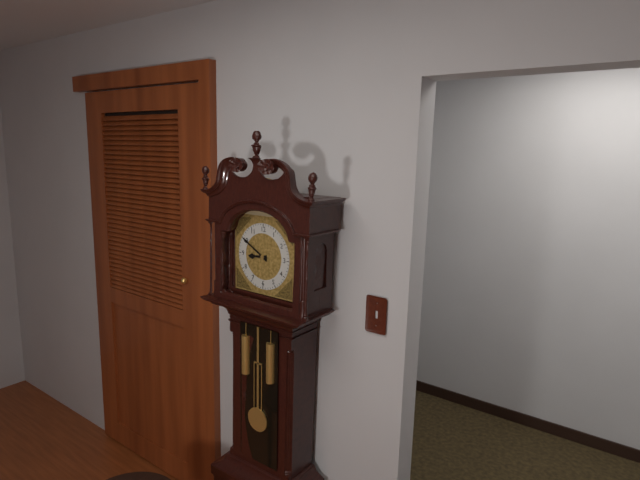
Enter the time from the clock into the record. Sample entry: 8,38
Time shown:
8,50
